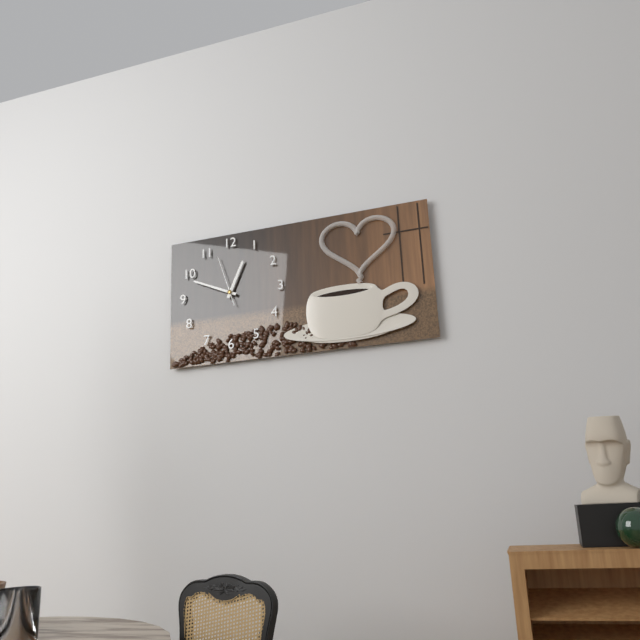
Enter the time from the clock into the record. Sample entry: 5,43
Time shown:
12,49
